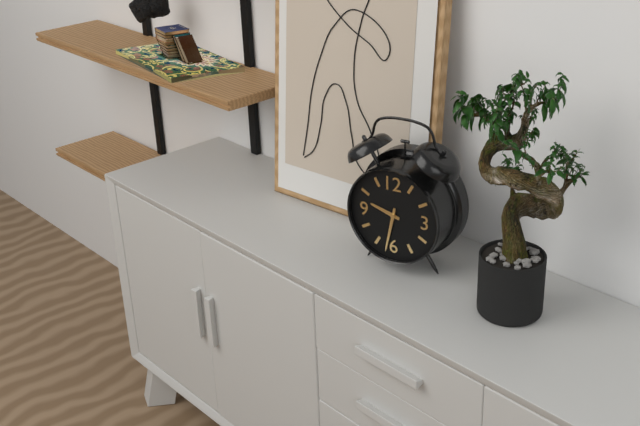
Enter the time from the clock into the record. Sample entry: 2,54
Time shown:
9,32
